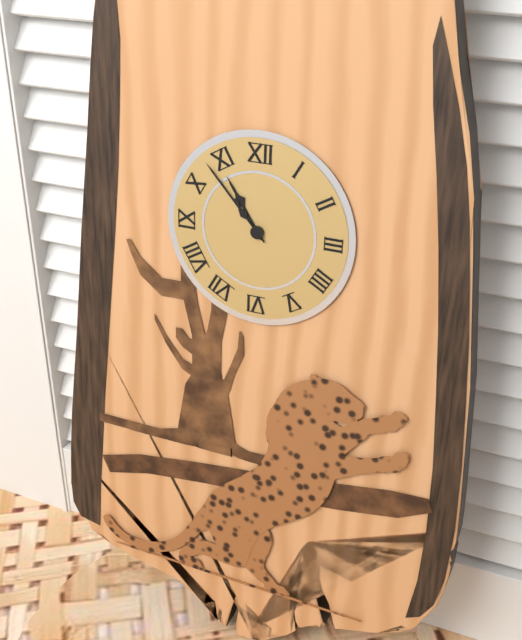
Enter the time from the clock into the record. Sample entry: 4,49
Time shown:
10,53
